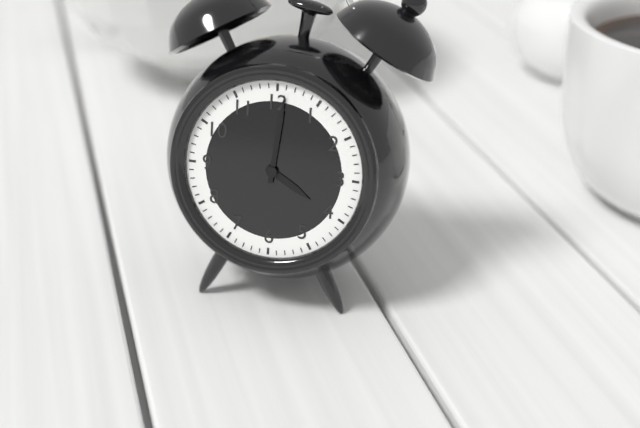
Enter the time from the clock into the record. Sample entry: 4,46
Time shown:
4,01
